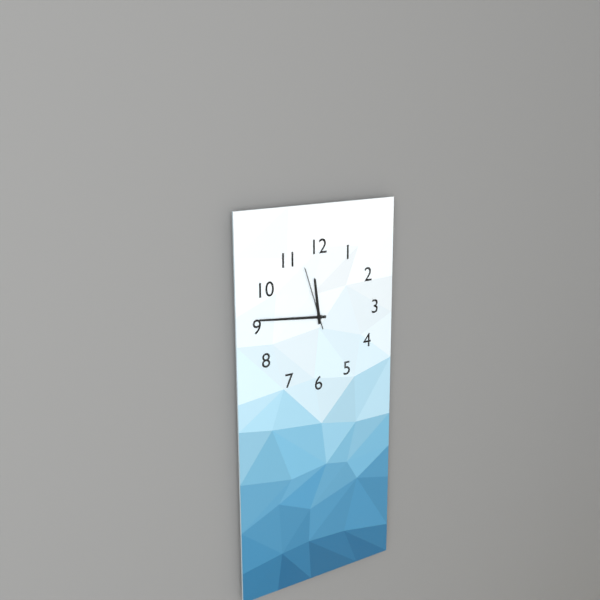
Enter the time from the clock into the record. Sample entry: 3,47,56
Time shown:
11,46,57
